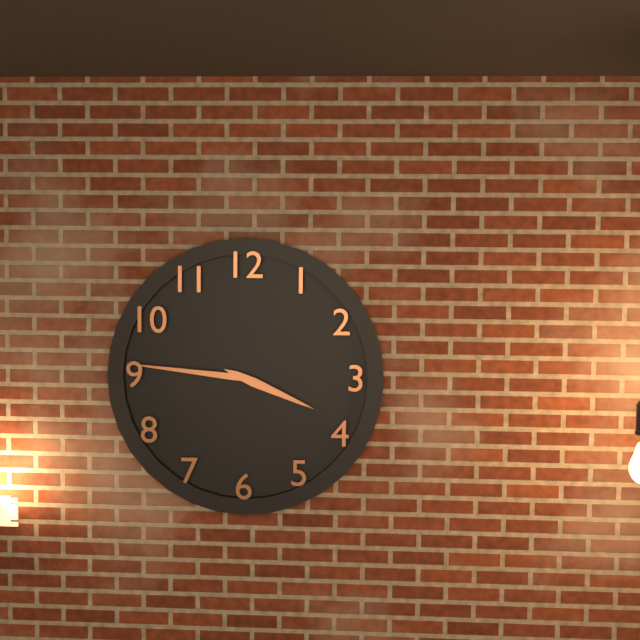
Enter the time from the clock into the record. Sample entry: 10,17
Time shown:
3,46
